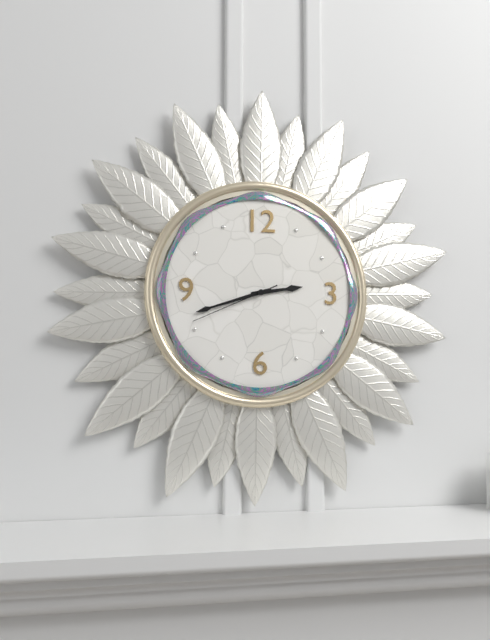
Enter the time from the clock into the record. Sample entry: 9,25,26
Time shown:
2,42,41
